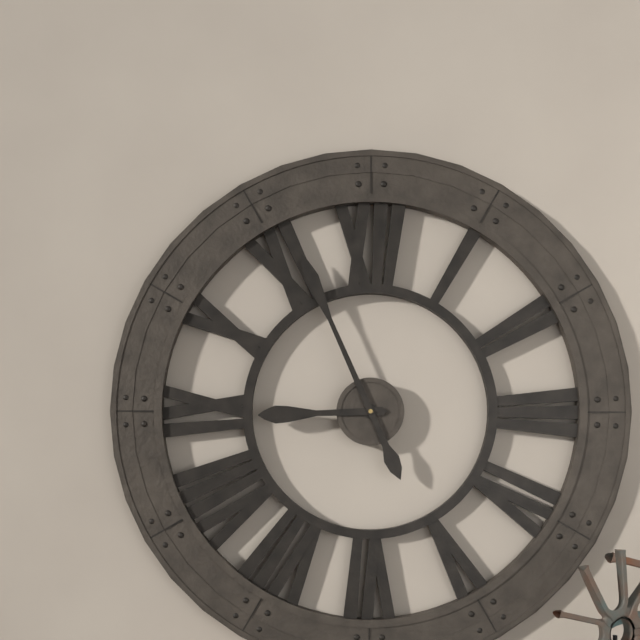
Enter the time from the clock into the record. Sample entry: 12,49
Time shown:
8,56
